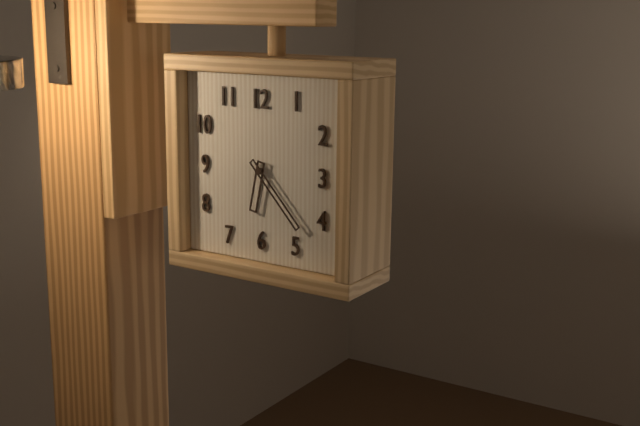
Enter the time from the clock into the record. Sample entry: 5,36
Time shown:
6,23
